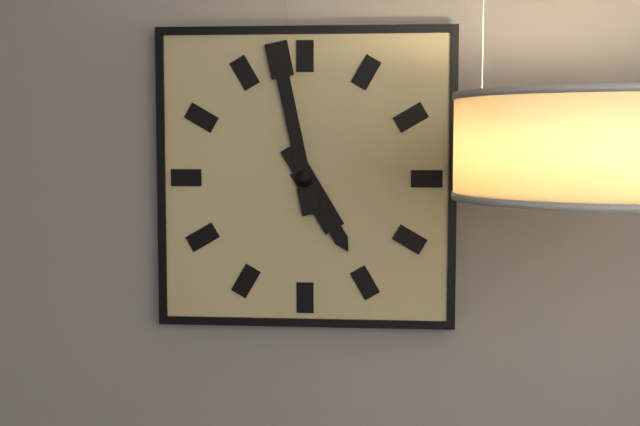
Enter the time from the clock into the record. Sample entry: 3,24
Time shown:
4,58
